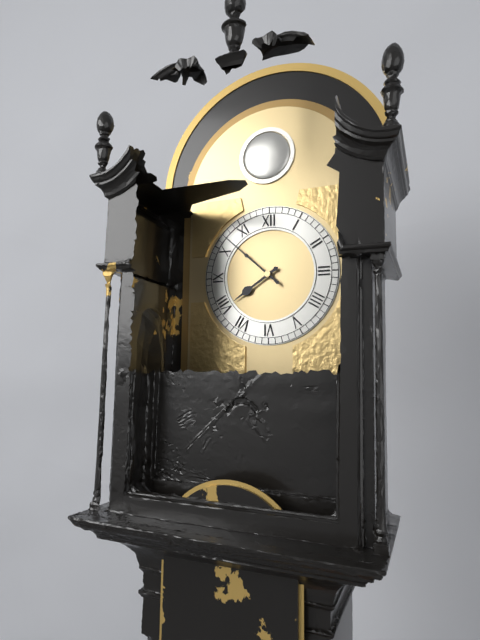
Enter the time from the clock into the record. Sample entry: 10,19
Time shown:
7,52
